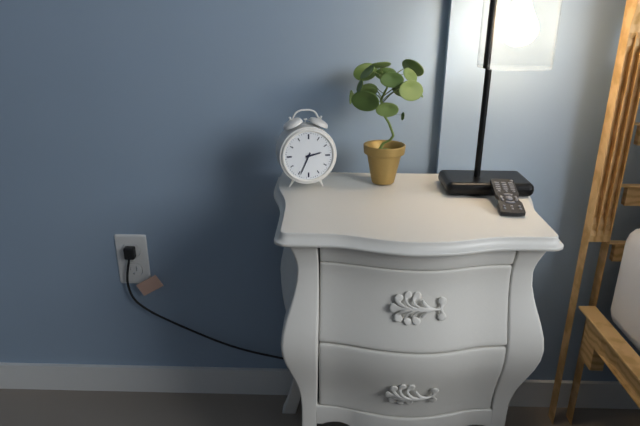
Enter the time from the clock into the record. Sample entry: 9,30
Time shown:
2,34
